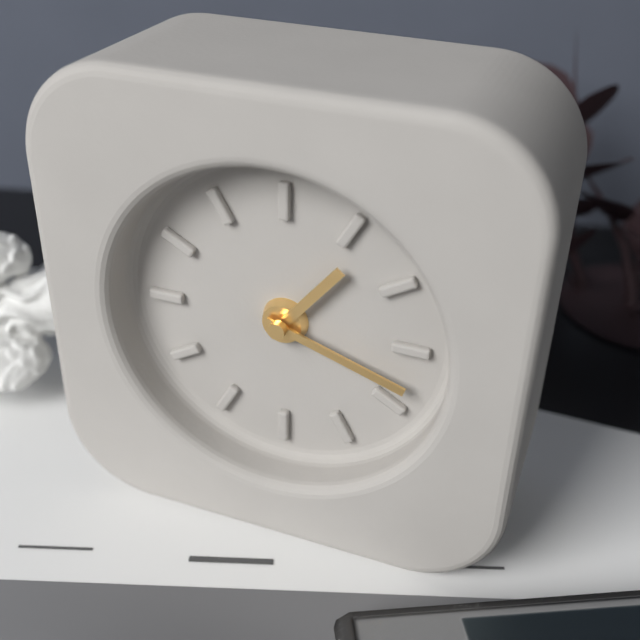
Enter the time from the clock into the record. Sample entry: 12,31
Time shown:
1,18
